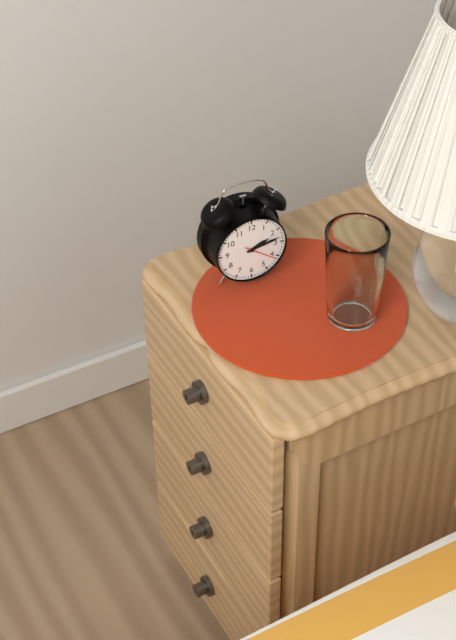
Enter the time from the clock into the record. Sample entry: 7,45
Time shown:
2,13
